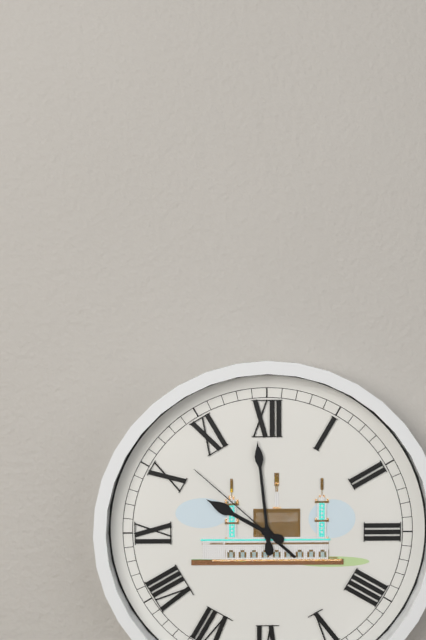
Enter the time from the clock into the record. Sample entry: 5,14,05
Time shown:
9,59,52
